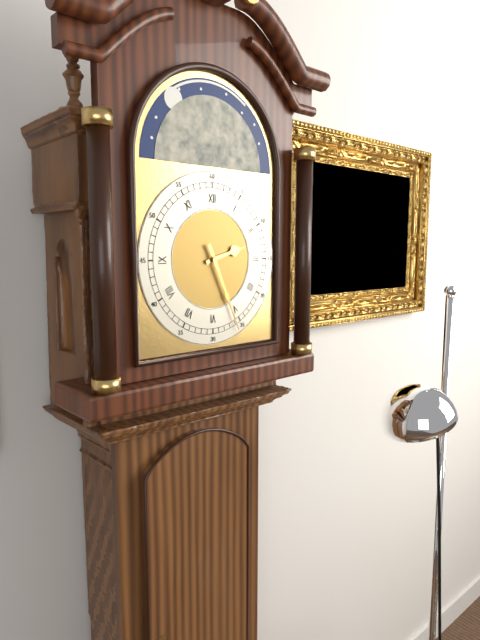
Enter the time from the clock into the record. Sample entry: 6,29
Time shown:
2,26
